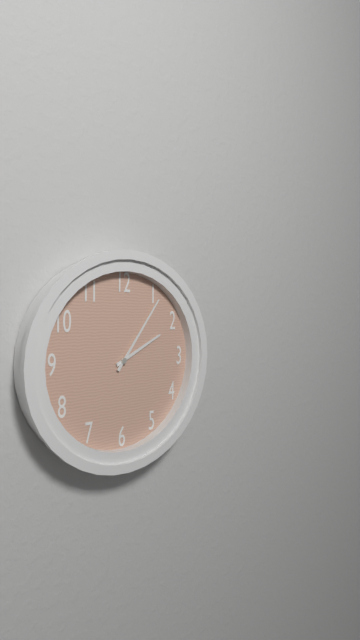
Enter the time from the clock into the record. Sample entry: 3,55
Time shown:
2,06
